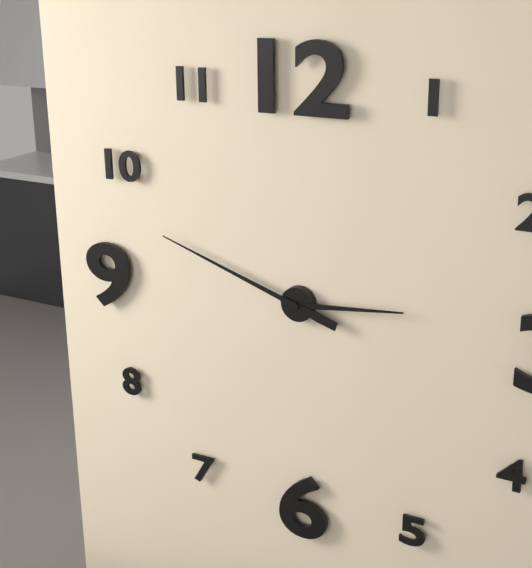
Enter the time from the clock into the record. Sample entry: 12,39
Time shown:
2,48
